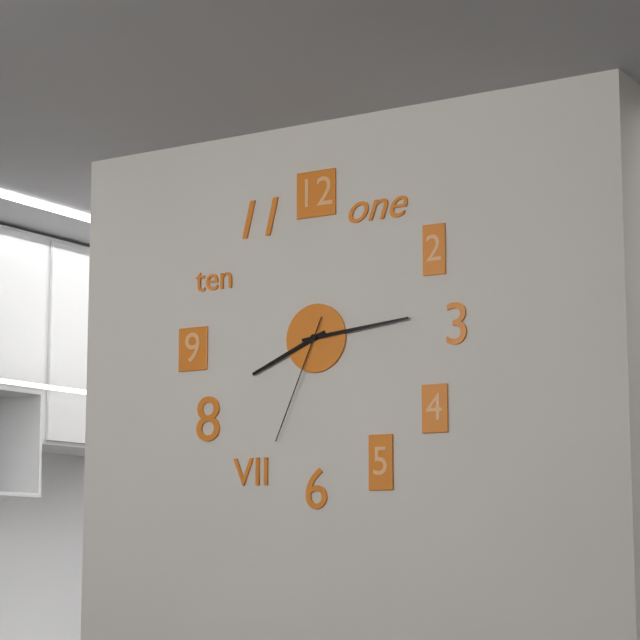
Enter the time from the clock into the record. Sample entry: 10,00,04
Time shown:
8,14,34
